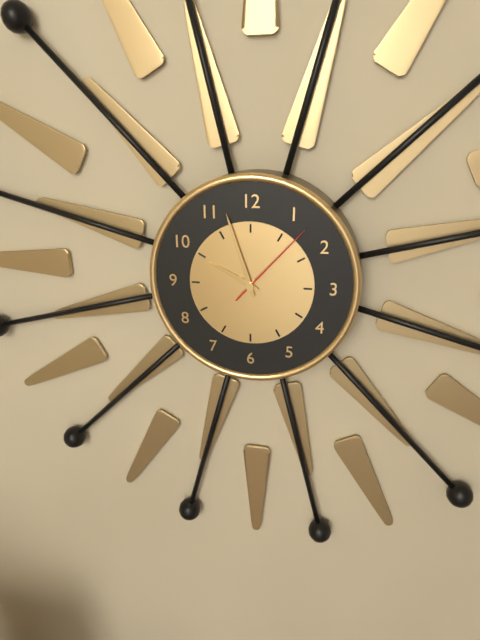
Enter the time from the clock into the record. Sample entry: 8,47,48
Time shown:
9,57,07
